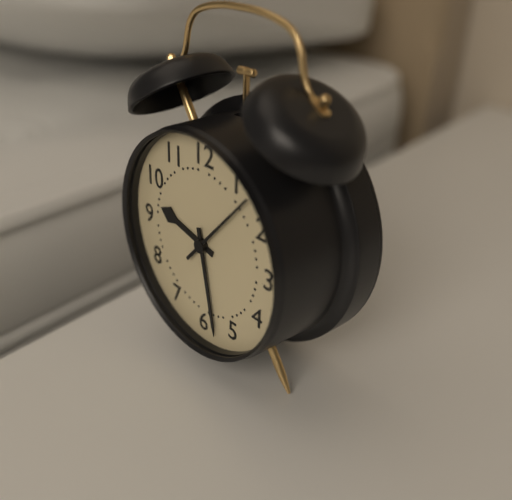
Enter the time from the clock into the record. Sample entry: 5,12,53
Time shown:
9,28,07
